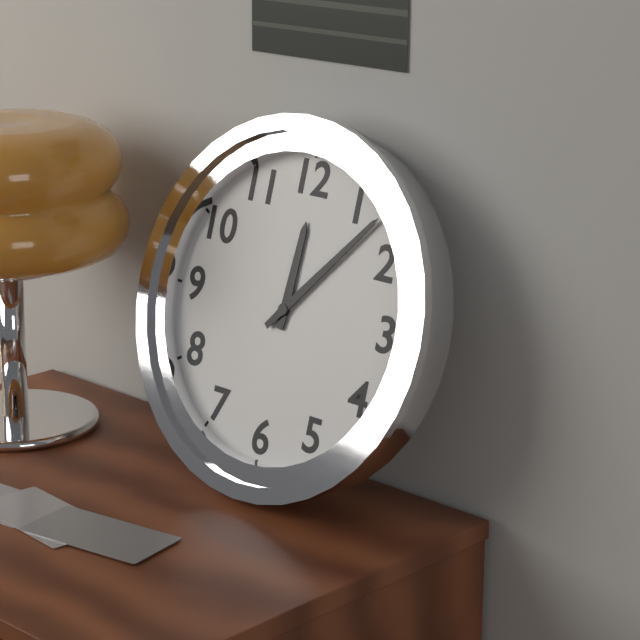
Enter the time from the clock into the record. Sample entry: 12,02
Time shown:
12,07
